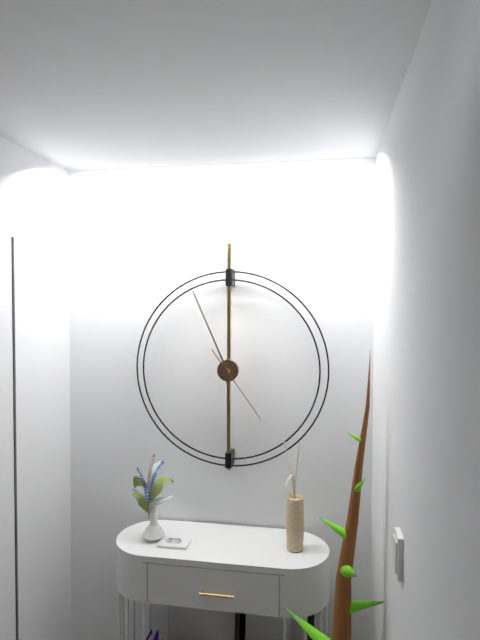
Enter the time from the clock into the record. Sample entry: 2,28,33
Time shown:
5,56,24
